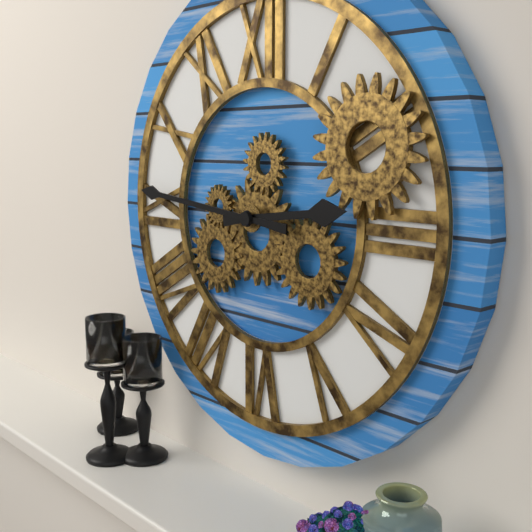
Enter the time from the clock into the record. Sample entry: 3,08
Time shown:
2,46
